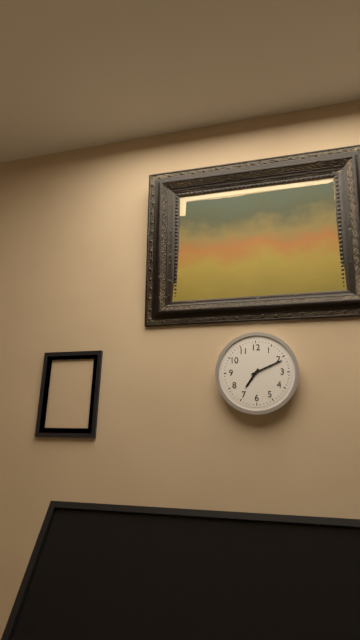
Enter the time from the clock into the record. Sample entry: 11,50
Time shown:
7,11
